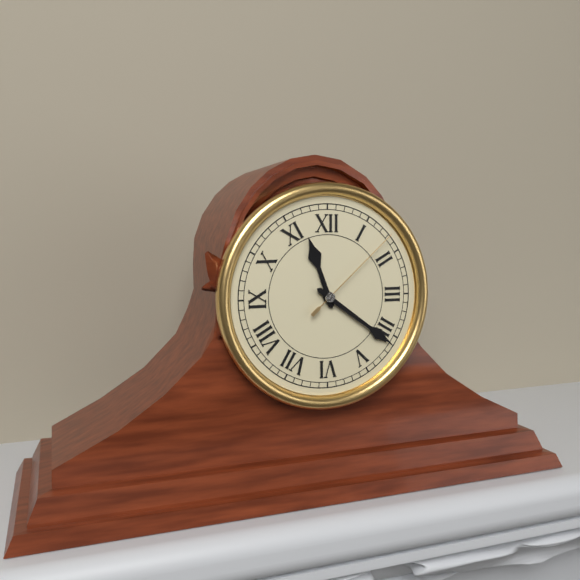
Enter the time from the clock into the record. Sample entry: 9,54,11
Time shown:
11,21,08
